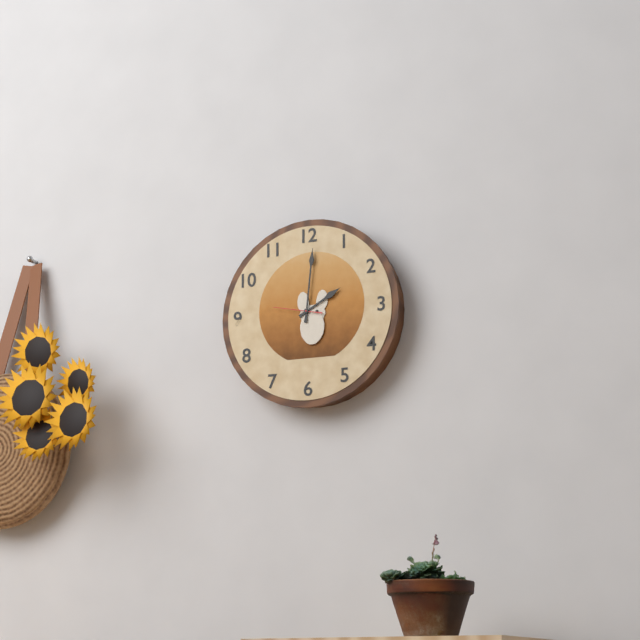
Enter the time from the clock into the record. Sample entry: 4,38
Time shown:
2,01
